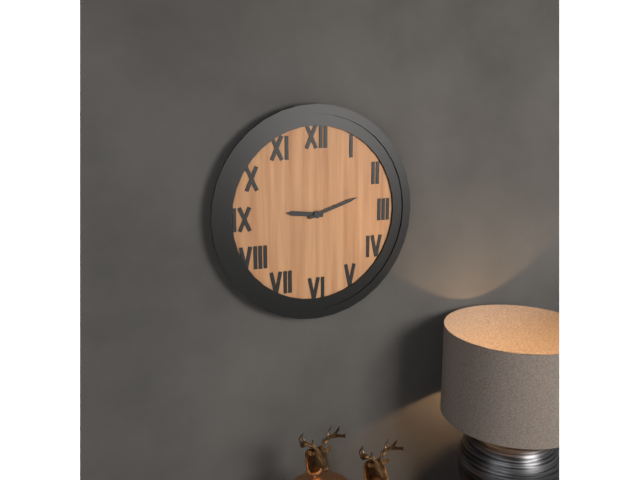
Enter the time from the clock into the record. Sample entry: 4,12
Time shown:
9,12
